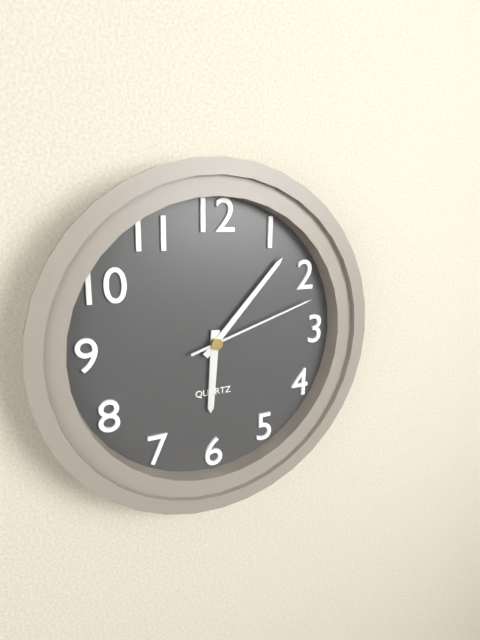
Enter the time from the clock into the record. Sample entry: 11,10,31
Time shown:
6,07,12
